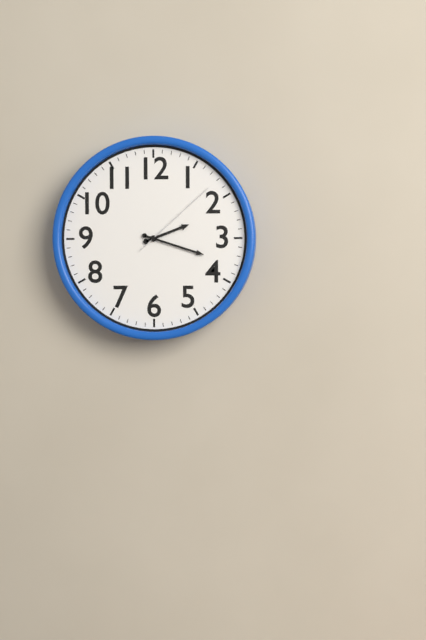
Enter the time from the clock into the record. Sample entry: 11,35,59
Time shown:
2,18,08
